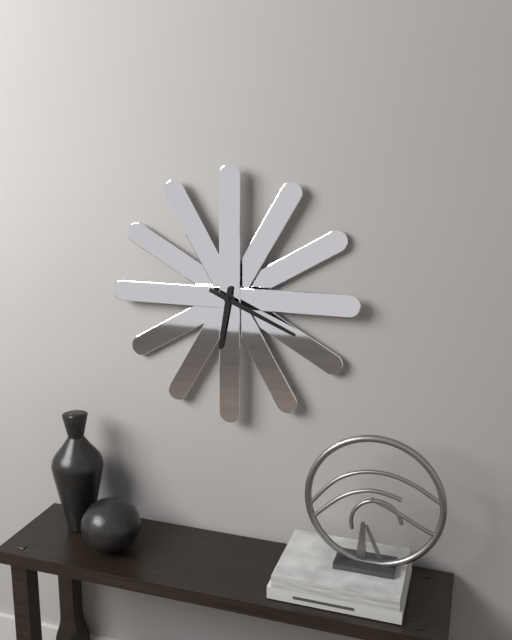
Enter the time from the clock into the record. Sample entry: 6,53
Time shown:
6,19
